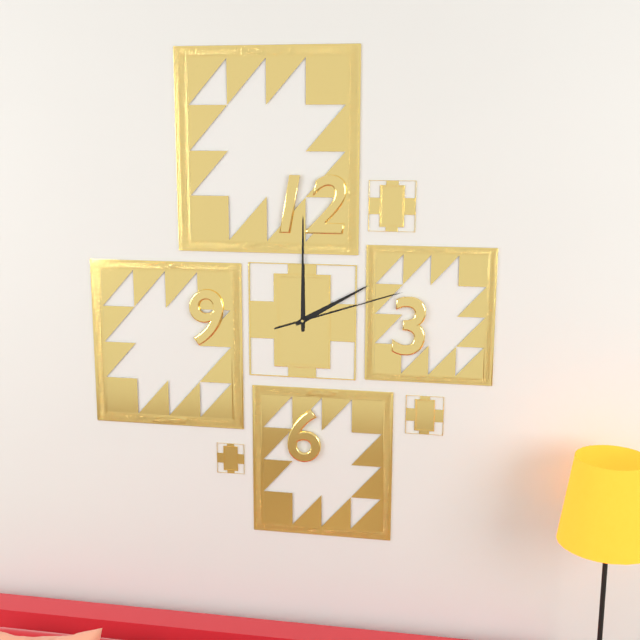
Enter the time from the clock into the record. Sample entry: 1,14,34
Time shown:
2,00,12
